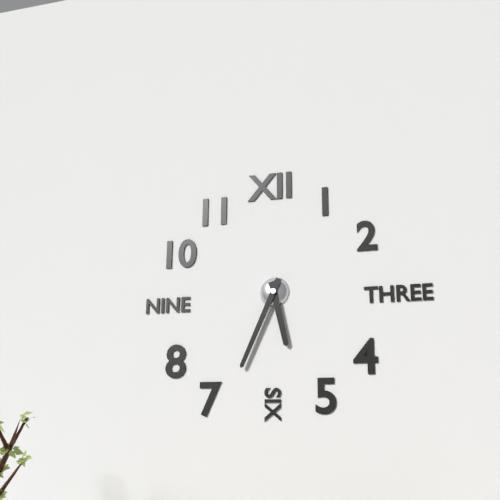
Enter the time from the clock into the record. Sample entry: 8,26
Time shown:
5,34
